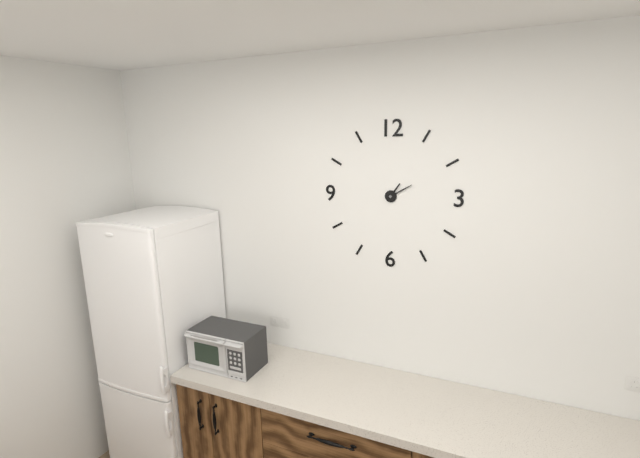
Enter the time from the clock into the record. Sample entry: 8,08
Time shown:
1,10
